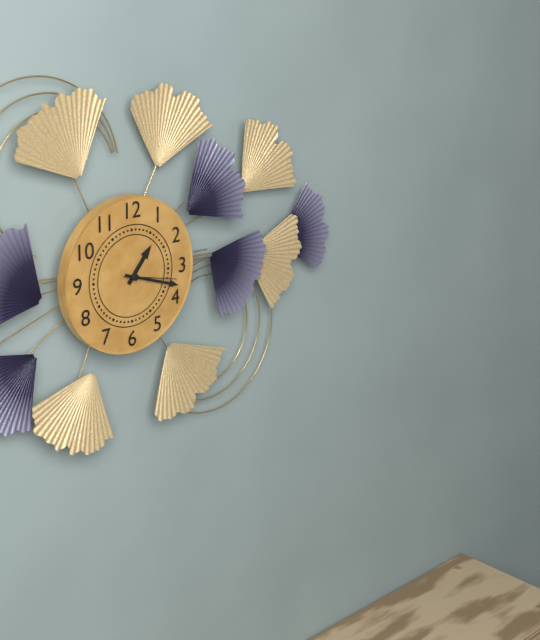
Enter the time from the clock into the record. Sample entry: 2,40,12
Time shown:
1,18,17
